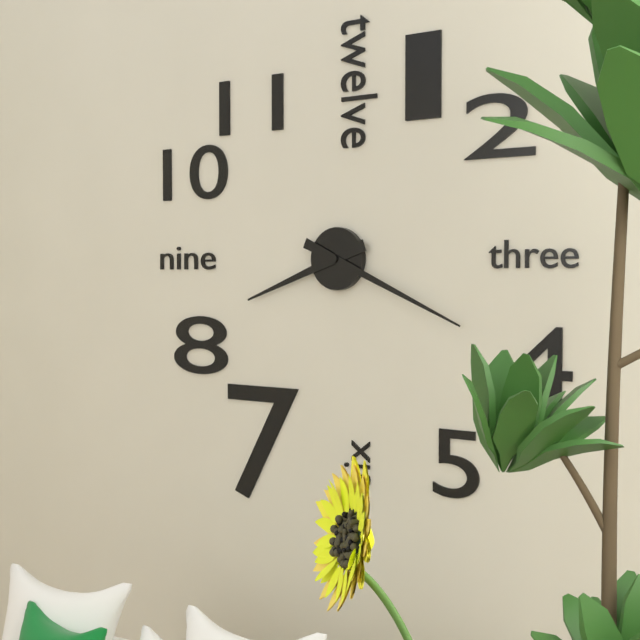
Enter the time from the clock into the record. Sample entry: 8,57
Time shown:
8,19
